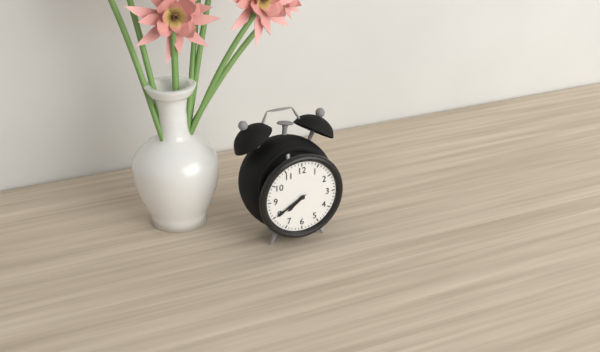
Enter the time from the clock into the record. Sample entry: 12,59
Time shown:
7,40
